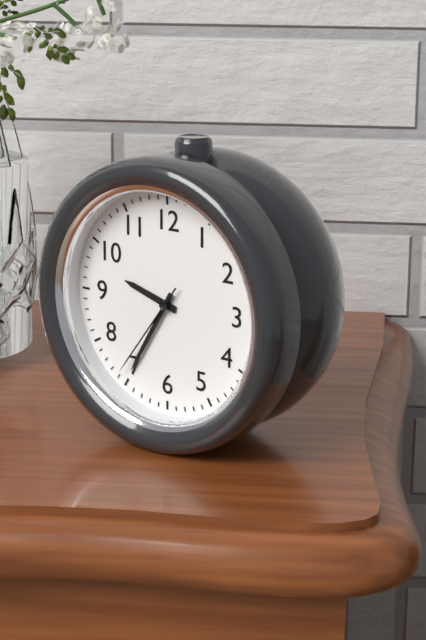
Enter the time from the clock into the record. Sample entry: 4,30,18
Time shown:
9,35,36
